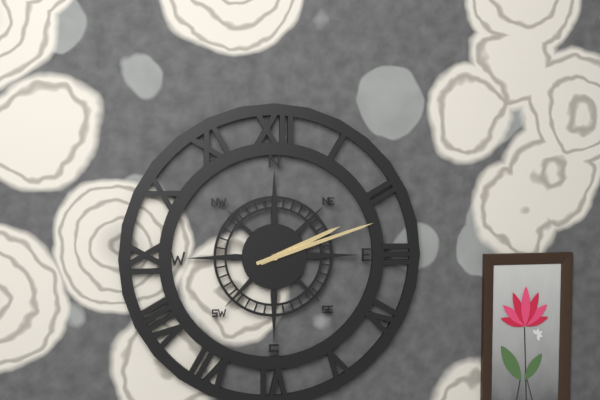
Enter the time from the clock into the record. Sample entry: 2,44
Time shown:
2,12
